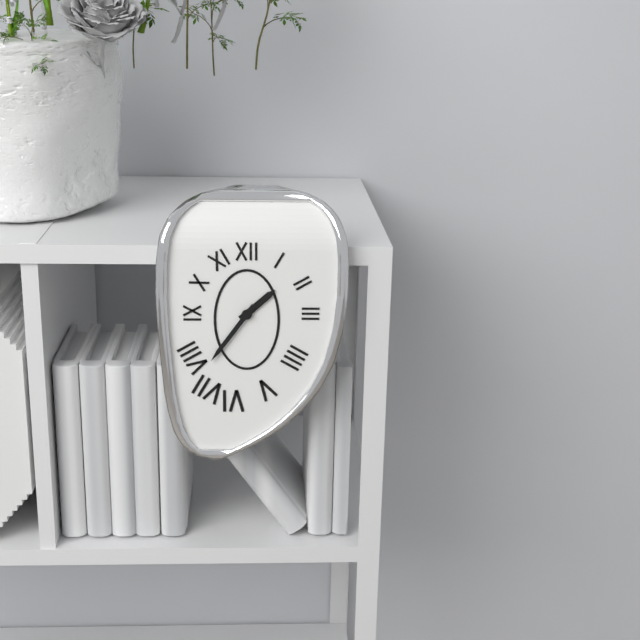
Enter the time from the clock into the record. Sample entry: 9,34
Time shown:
1,36
